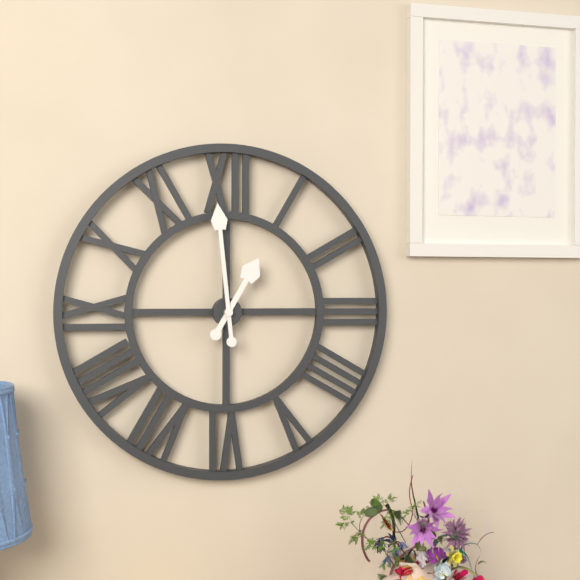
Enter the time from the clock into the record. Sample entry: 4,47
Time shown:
12,59
